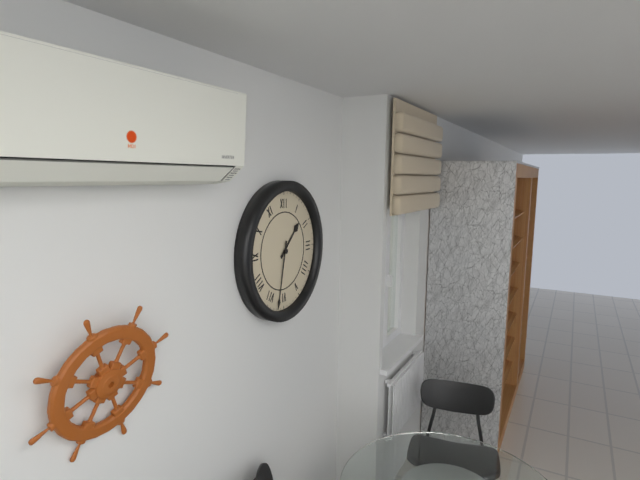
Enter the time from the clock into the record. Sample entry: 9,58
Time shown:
1,32
